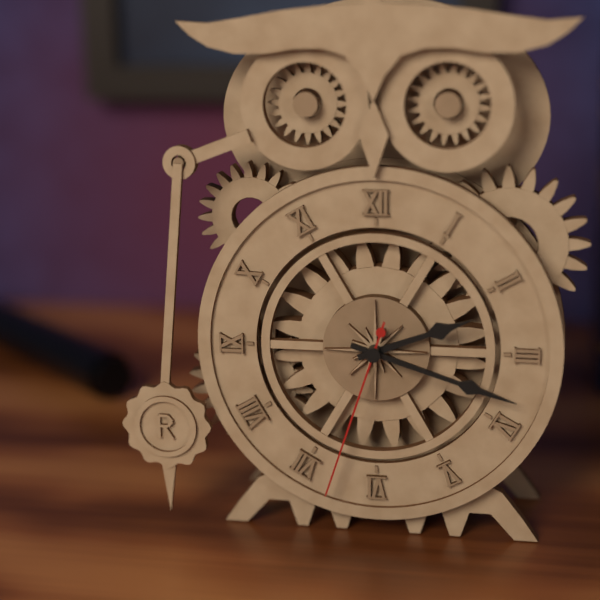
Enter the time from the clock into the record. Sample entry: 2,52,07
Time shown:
2,18,33
